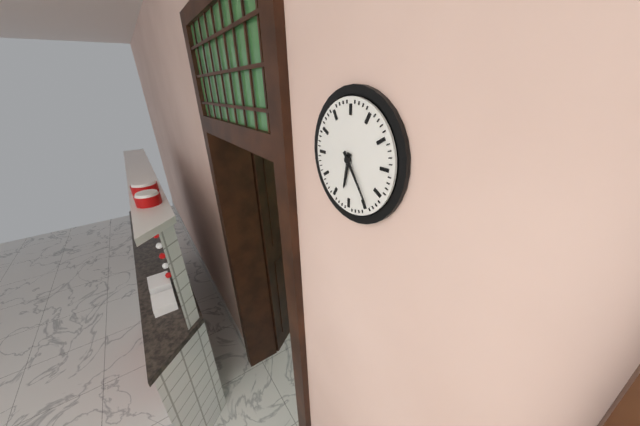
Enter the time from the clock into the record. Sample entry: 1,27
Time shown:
6,24
